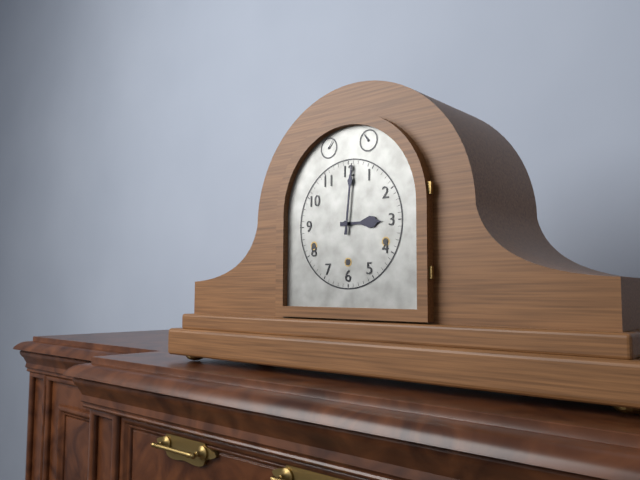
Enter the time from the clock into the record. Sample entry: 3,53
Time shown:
3,01
